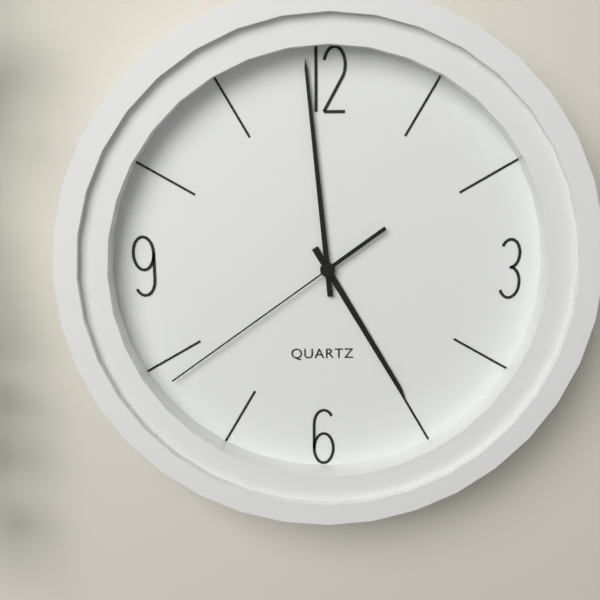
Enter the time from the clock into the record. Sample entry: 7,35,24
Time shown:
4,59,39
